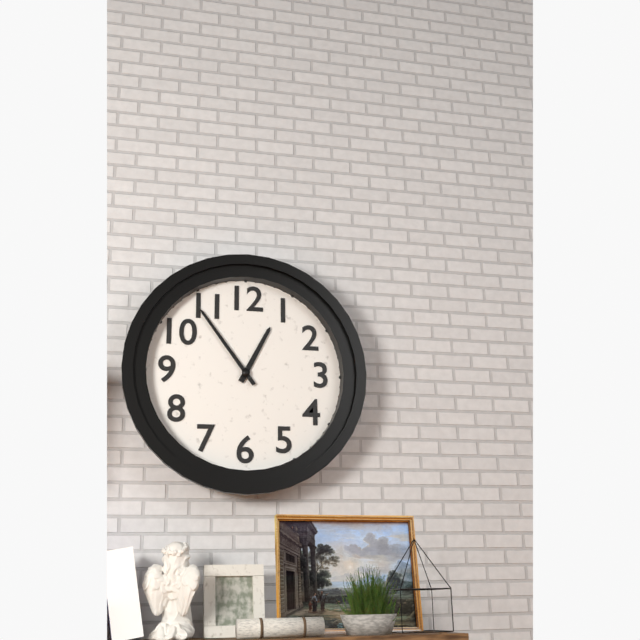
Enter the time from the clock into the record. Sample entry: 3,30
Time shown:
12,54
